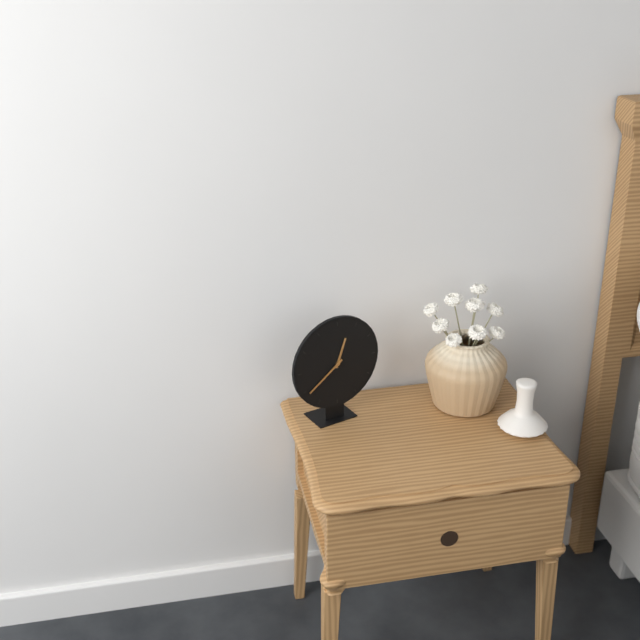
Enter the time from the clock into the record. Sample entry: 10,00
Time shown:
12,39
